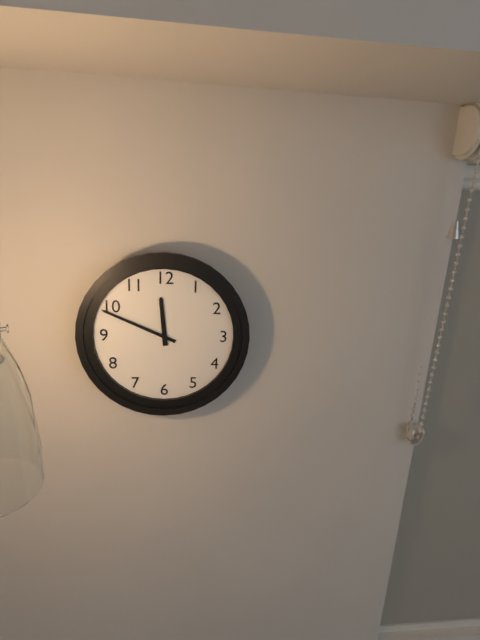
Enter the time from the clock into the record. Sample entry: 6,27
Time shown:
11,49
